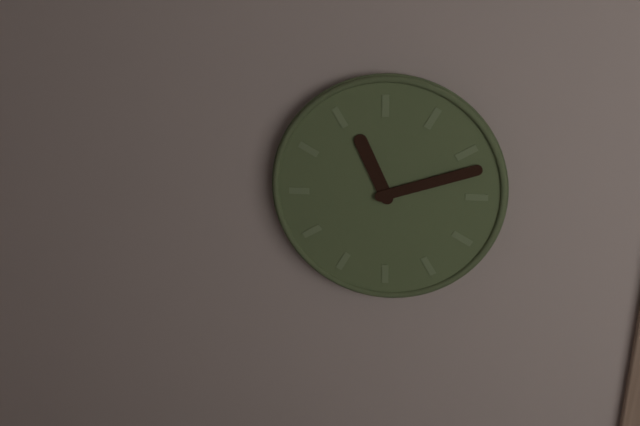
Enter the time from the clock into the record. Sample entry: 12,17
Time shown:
11,12
